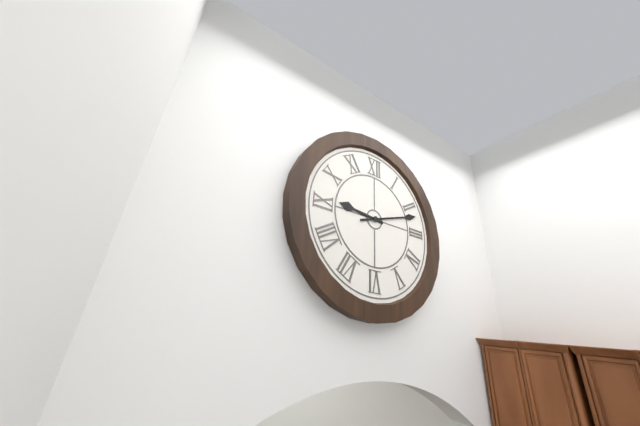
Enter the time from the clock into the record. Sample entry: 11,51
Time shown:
9,12
